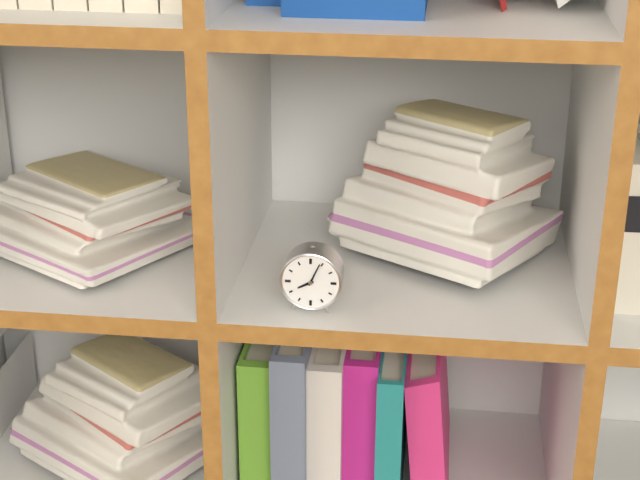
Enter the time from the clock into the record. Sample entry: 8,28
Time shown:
8,04
